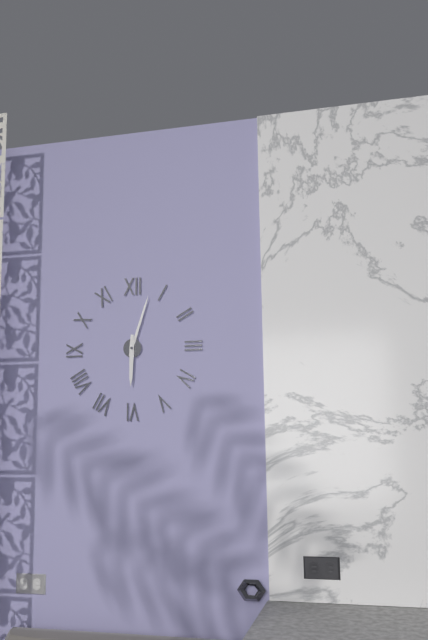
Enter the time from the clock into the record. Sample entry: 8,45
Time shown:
6,03
